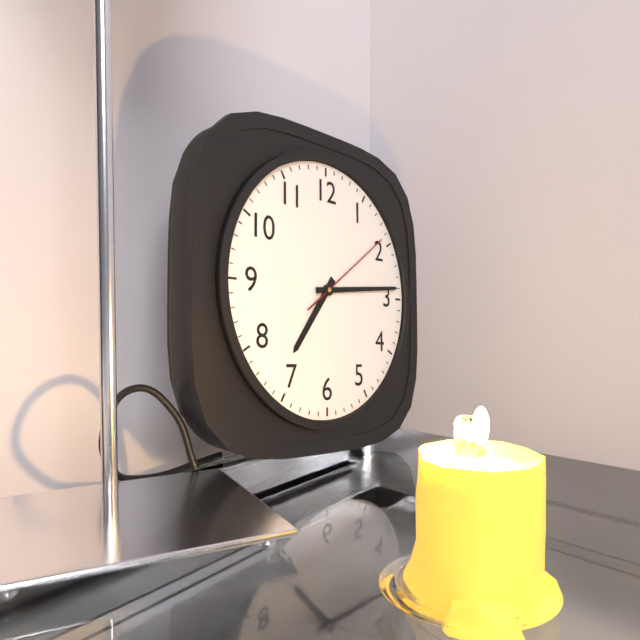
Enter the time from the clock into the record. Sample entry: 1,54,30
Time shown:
7,14,09
